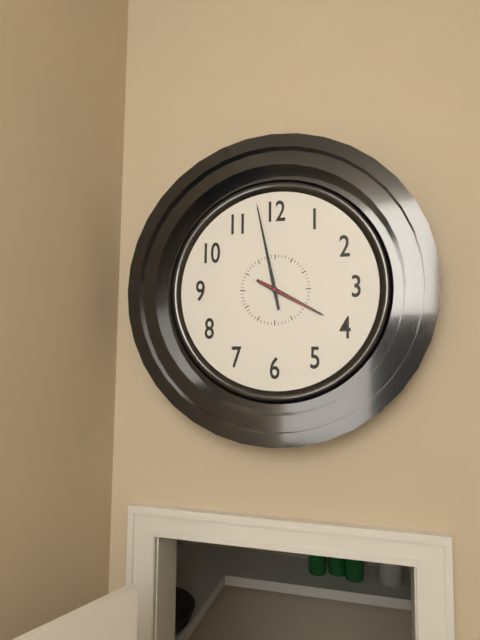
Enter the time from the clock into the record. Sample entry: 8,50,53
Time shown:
3,58,20
